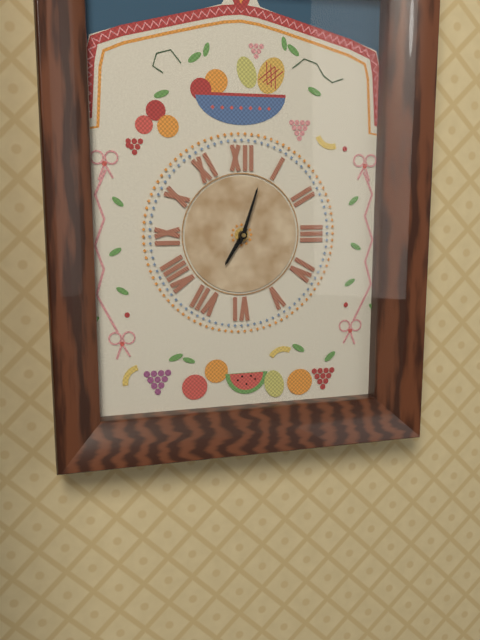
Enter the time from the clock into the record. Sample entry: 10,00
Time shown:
7,03
